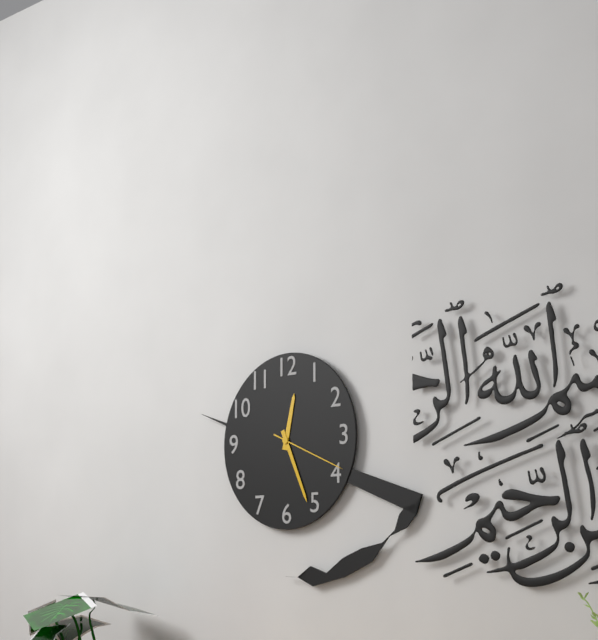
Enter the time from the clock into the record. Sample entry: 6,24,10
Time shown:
12,26,19
